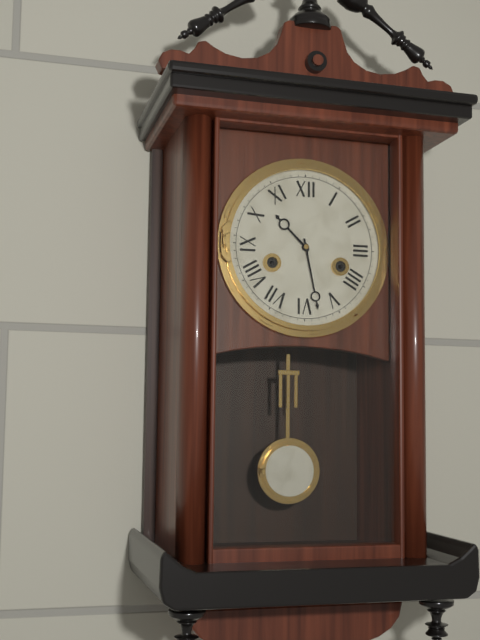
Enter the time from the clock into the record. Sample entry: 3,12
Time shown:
10,28
